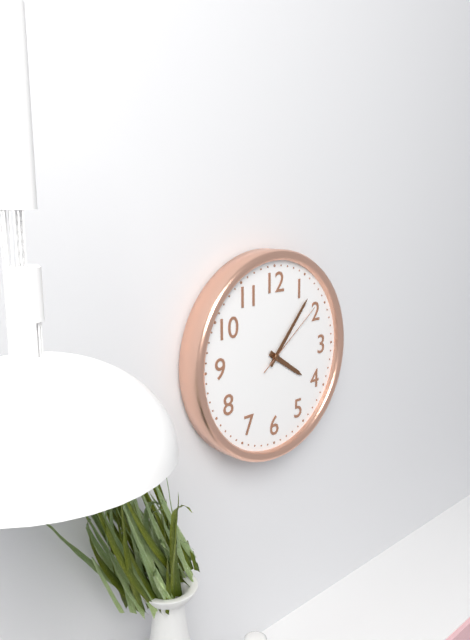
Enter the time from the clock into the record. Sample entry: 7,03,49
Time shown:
4,07,09
